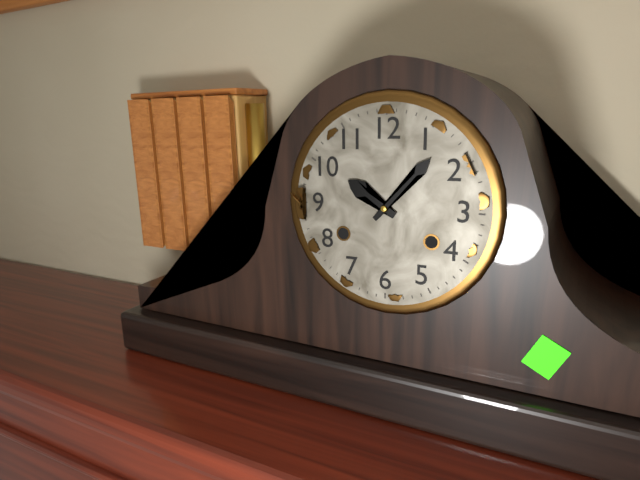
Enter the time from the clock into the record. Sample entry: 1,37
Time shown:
10,07
